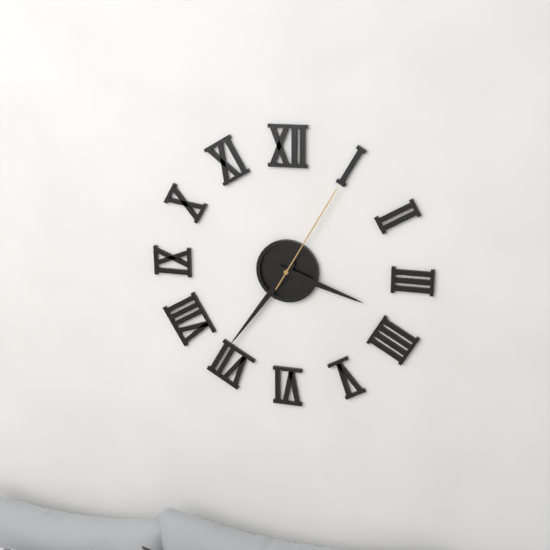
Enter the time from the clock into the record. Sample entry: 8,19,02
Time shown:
3,36,05
